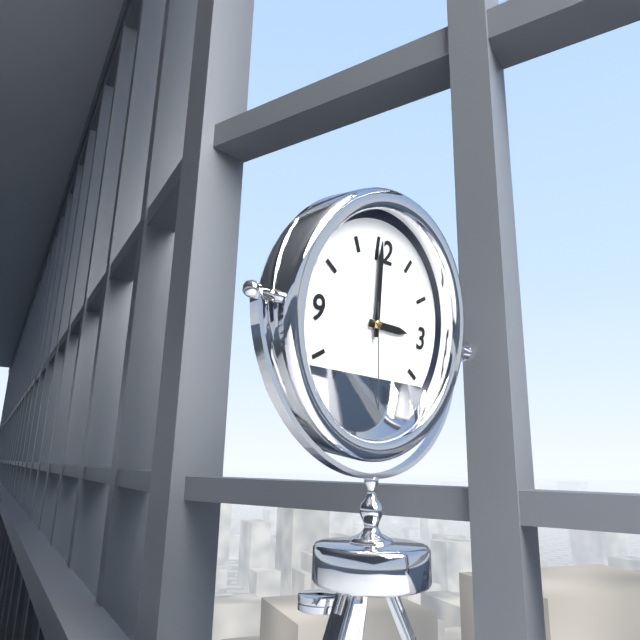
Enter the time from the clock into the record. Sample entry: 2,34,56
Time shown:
2,59,28
